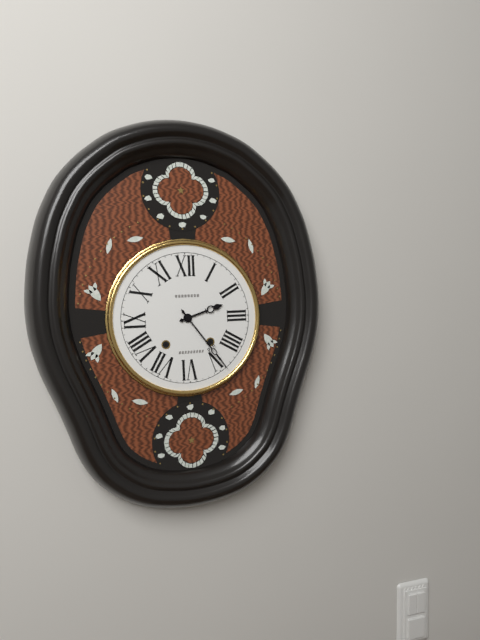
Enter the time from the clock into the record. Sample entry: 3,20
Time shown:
2,24
